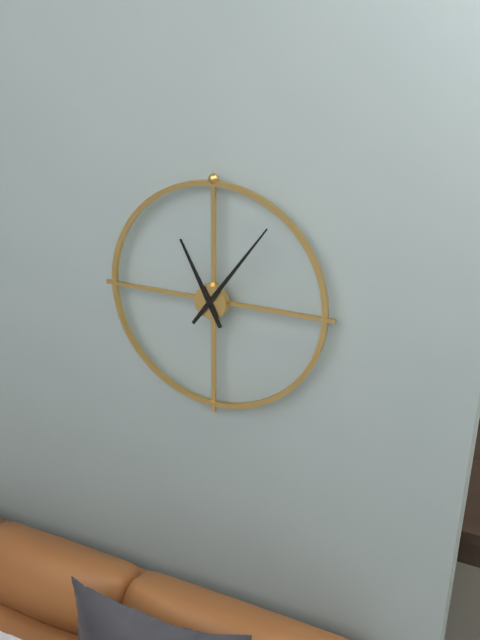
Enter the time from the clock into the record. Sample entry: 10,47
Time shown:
11,06
